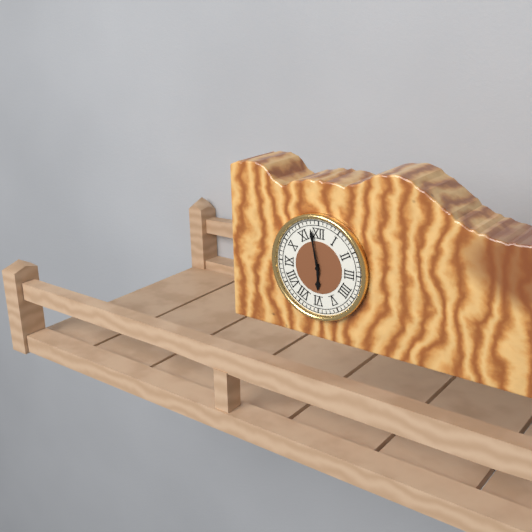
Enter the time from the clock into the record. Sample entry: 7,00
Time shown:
5,58
